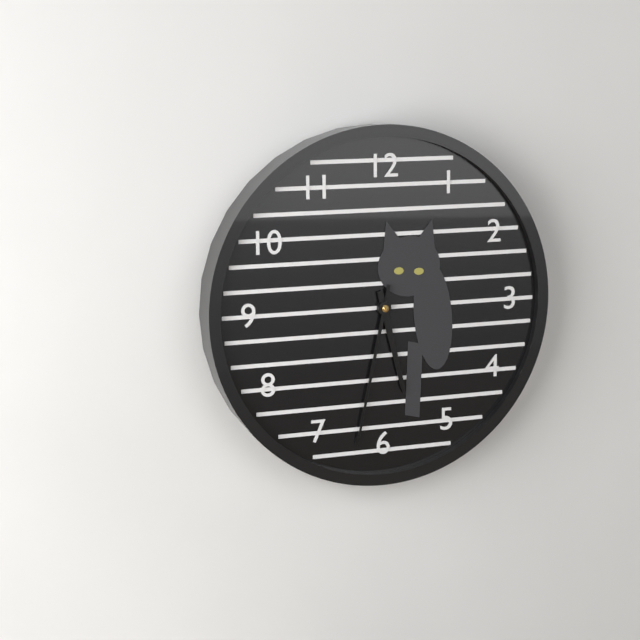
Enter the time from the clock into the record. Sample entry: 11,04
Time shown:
5,32
